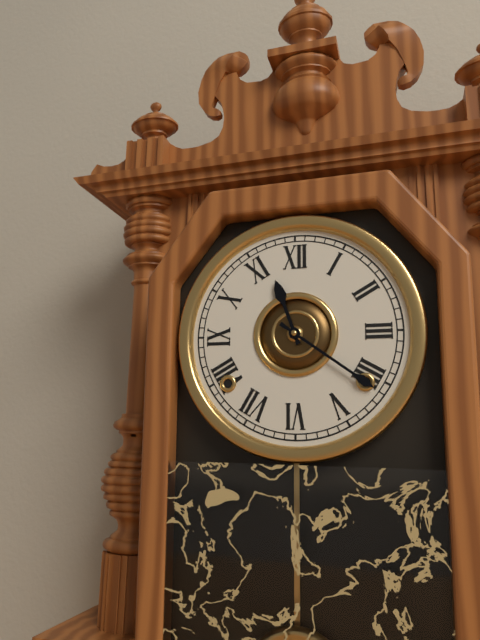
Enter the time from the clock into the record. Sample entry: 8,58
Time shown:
11,21
